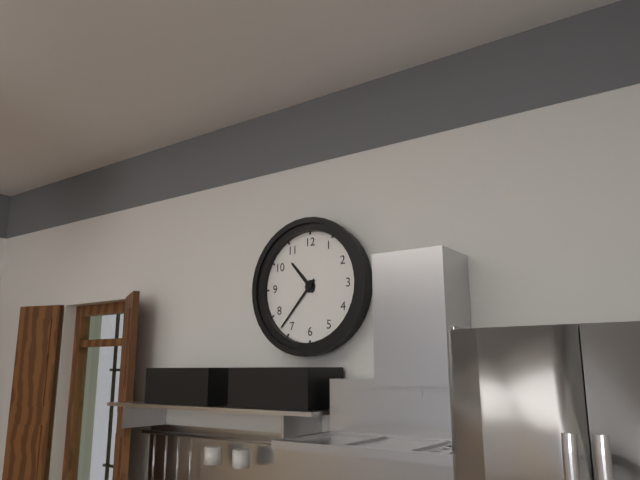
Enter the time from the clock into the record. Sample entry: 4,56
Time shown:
10,37
